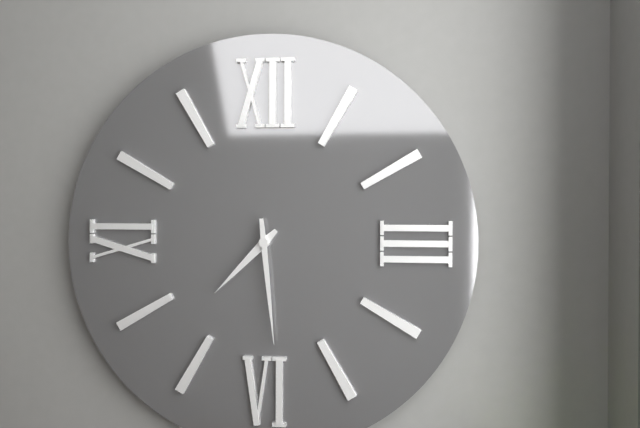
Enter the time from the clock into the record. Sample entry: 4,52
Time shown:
7,29
